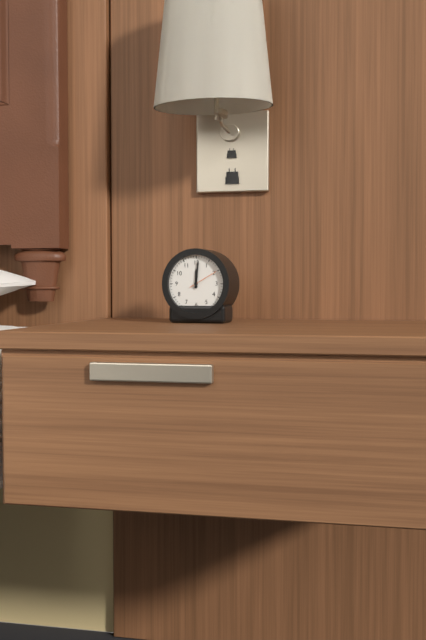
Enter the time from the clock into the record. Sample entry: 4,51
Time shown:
12,01
